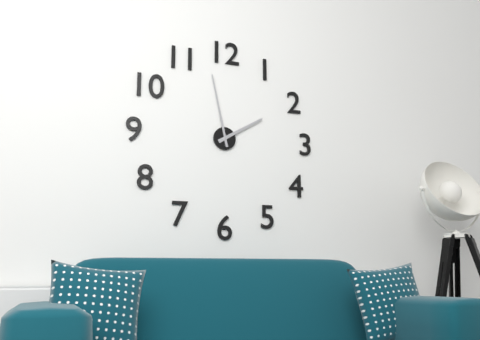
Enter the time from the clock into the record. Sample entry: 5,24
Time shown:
1,58
